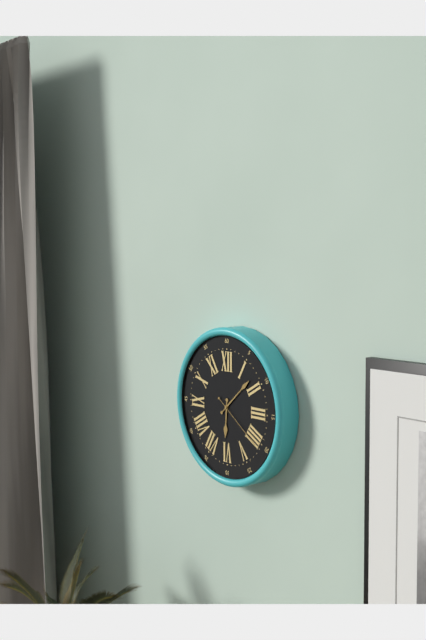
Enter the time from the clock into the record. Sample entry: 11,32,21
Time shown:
6,08,21
